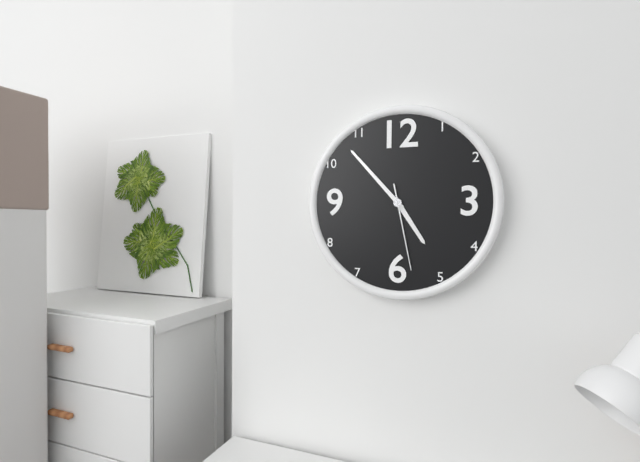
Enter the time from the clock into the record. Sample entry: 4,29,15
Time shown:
4,53,28
